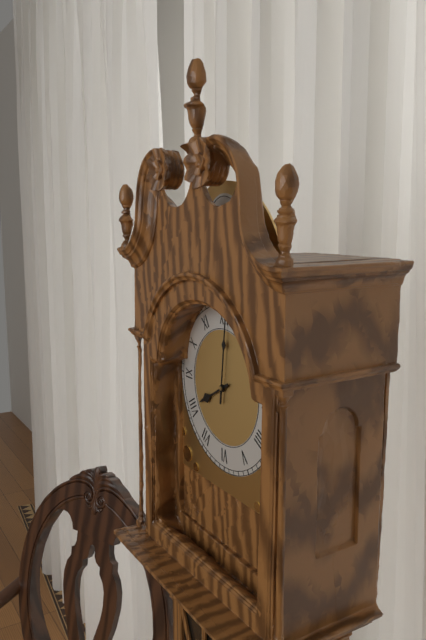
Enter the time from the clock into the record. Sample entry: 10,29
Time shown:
8,01
